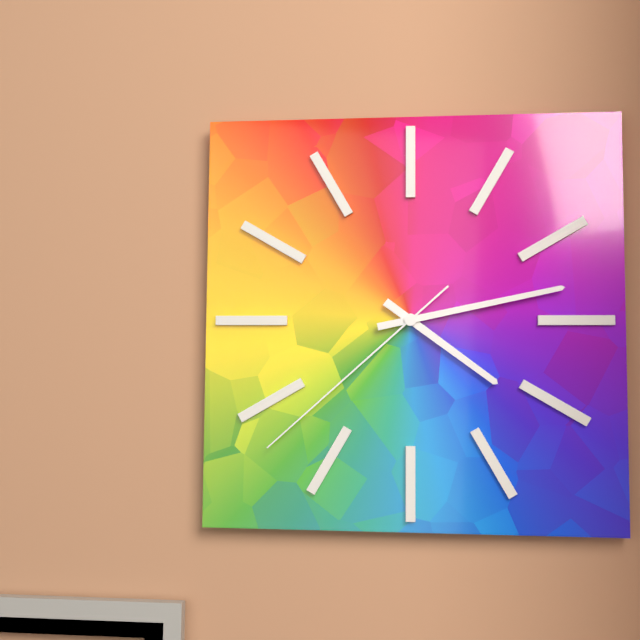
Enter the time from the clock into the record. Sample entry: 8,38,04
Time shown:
4,13,38
